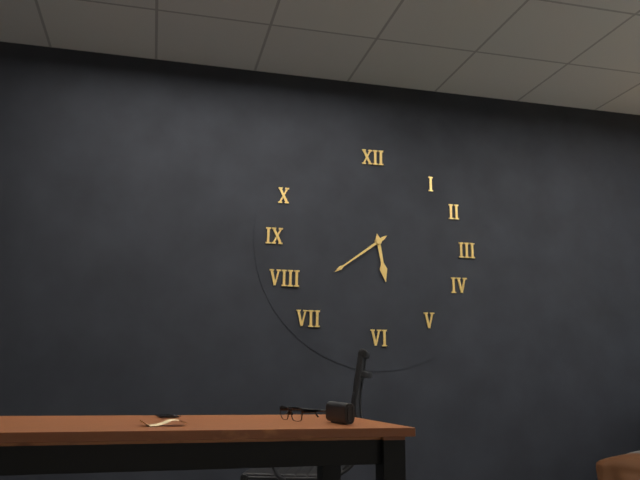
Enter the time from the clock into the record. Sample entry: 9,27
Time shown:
5,39
